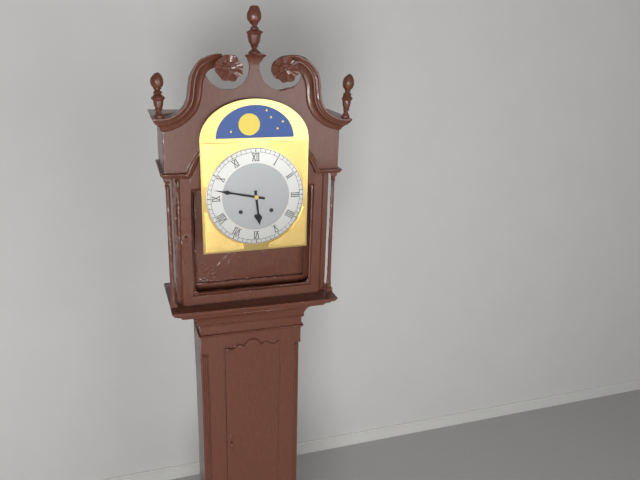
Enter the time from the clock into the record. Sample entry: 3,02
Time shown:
5,47
